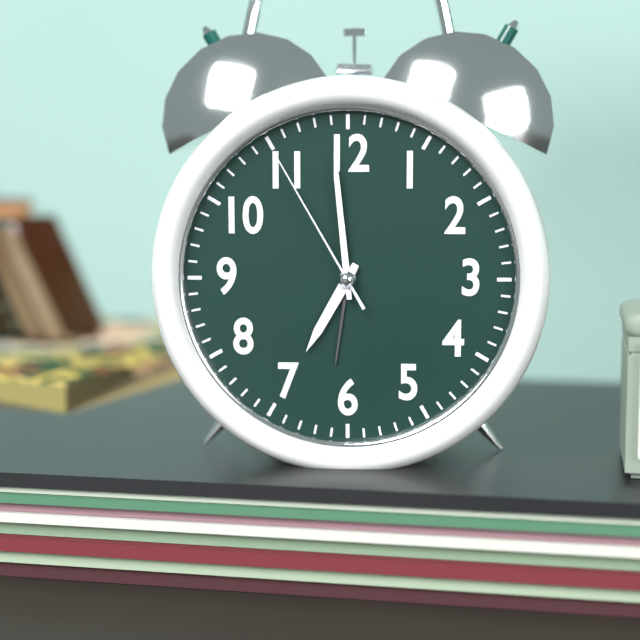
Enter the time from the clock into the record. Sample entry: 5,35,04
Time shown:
6,59,55
